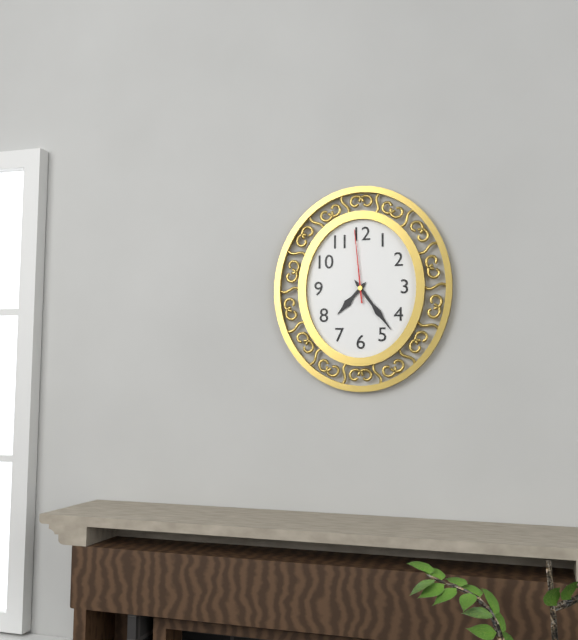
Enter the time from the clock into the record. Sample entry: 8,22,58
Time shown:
7,24,59
